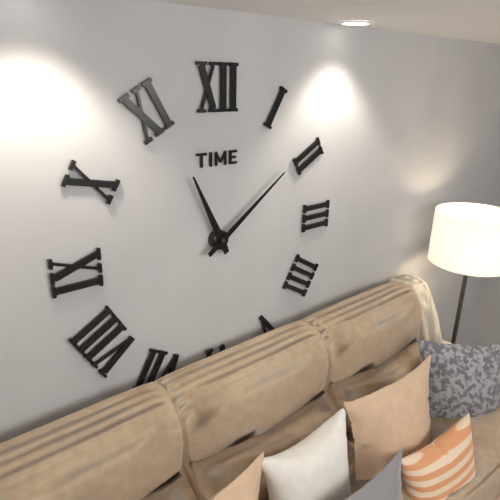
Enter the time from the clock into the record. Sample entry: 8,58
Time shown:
11,09
